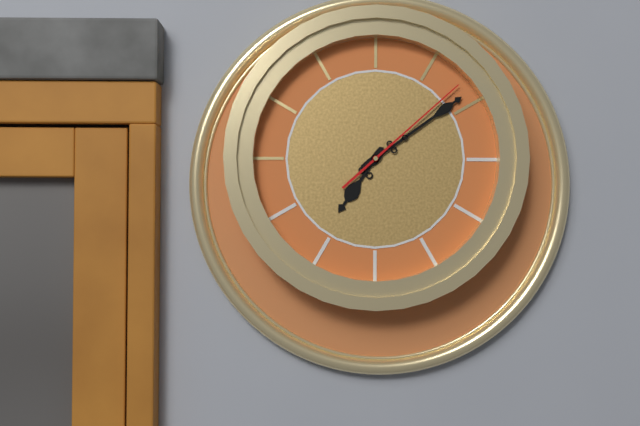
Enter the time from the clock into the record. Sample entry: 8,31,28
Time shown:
7,09,08
